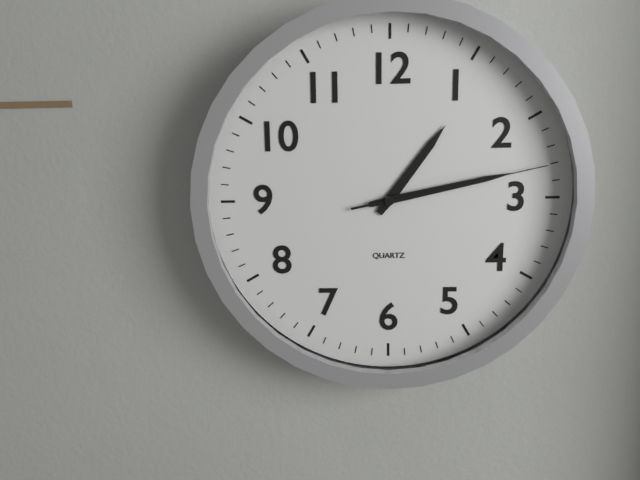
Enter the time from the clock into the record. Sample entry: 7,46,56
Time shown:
1,13,13
